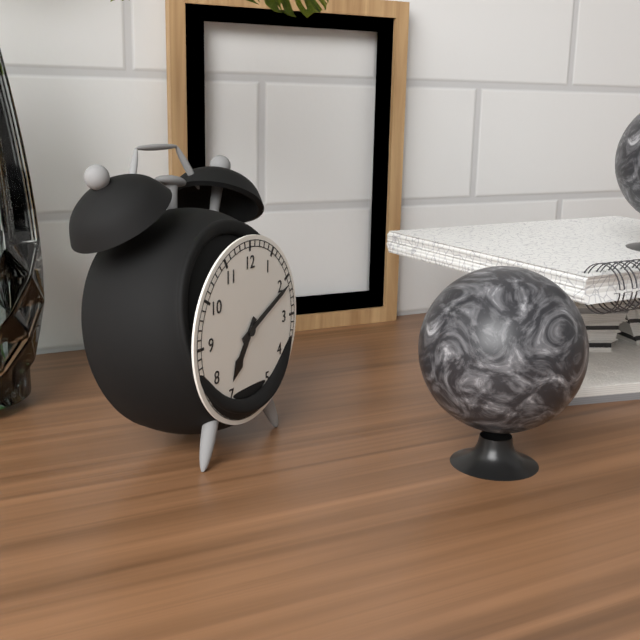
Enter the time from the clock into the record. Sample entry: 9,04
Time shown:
7,11
